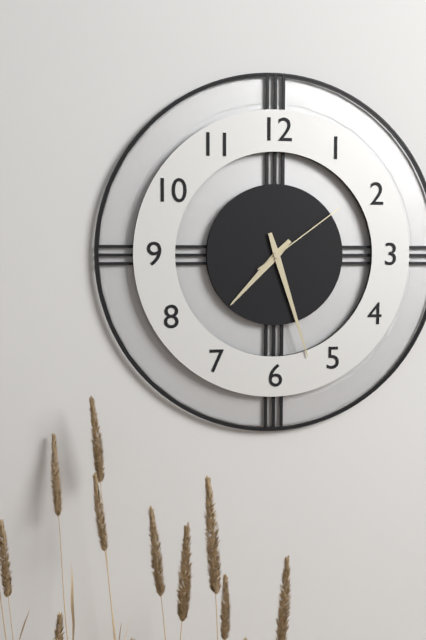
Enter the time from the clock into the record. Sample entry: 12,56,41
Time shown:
7,27,09
